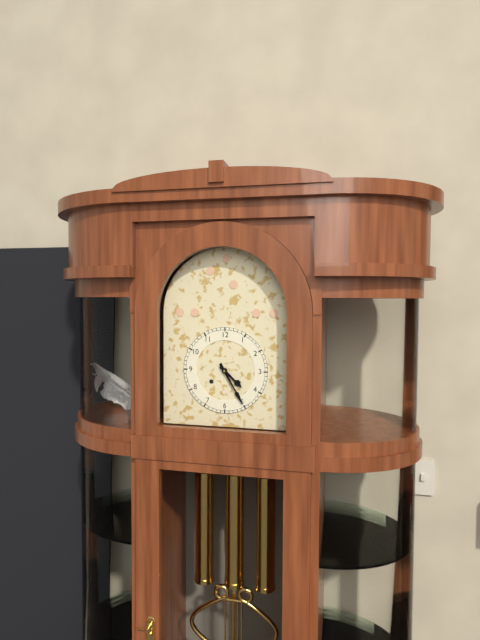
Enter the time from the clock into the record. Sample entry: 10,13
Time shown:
4,25
